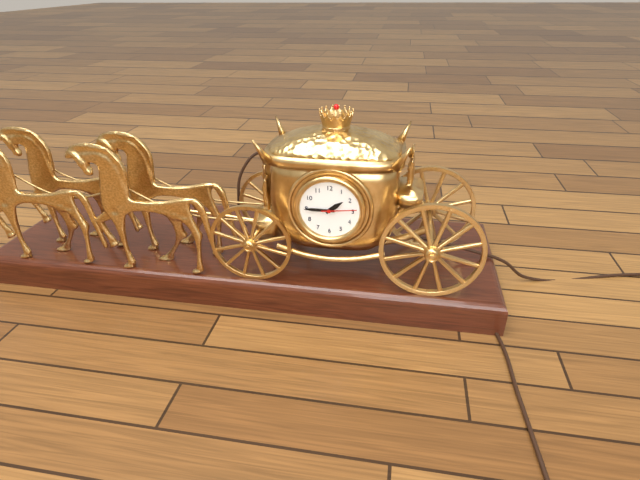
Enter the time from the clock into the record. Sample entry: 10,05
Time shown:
1,45
